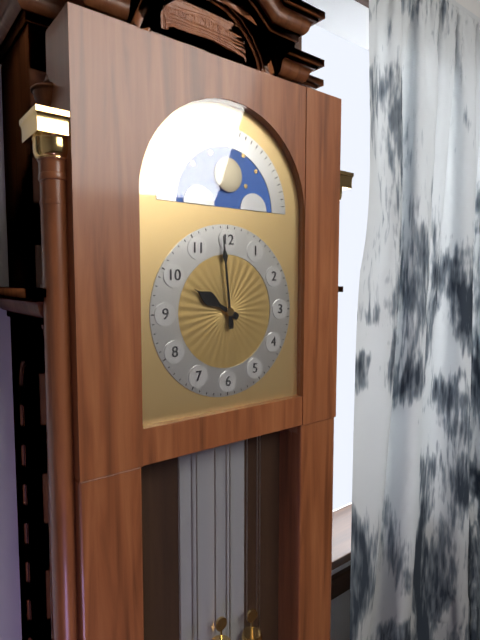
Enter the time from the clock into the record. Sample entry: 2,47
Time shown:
9,59
